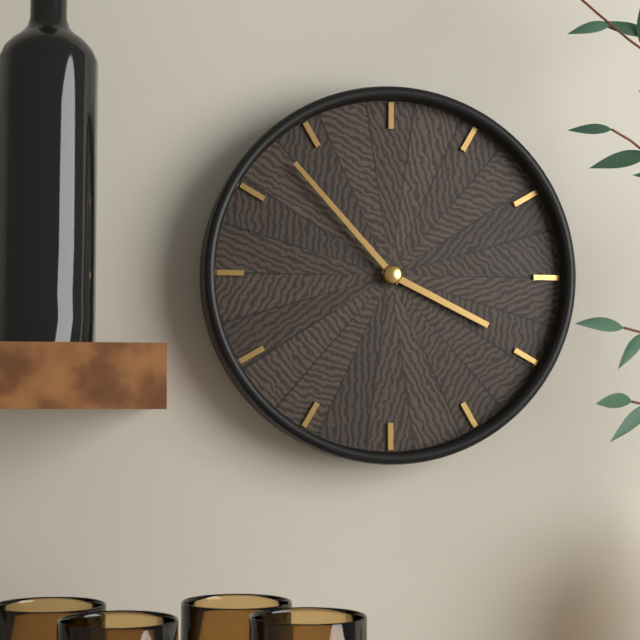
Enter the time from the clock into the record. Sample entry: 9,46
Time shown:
3,53
